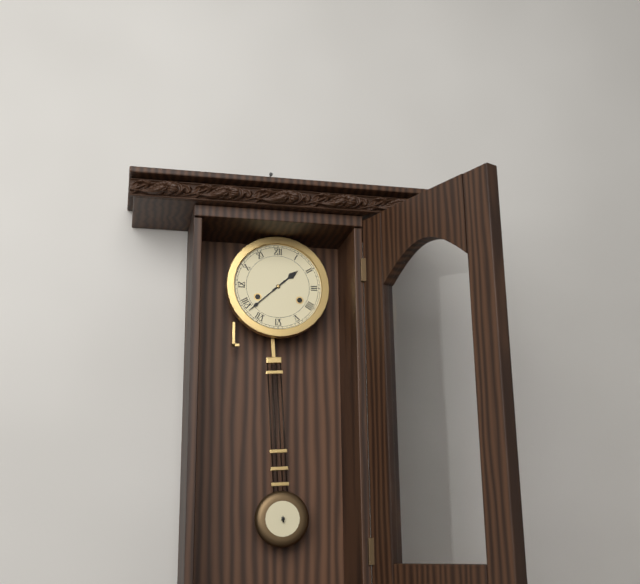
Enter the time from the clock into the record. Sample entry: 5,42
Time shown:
1,38
